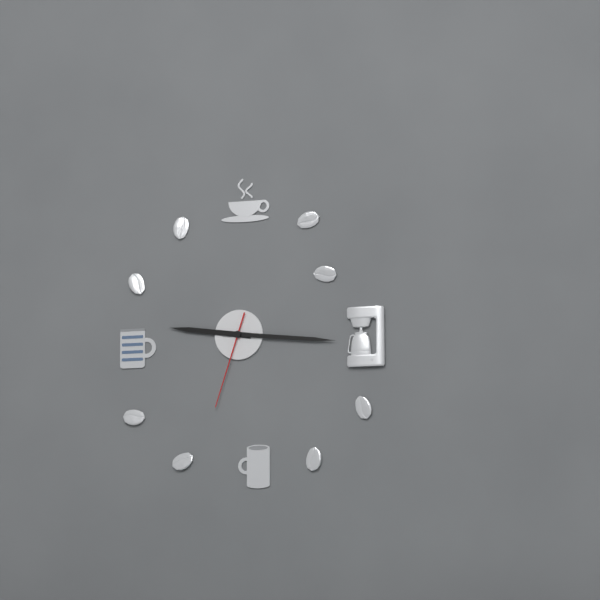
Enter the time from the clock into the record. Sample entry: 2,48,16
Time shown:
9,16,33
